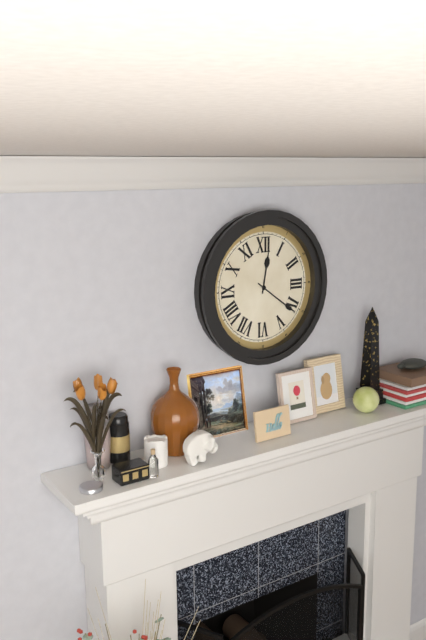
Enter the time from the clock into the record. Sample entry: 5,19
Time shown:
12,21
